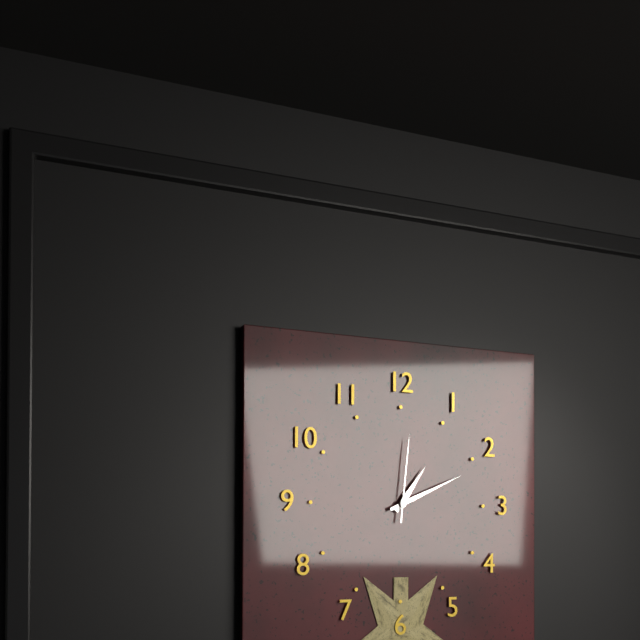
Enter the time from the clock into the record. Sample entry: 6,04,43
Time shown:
1,11,01
